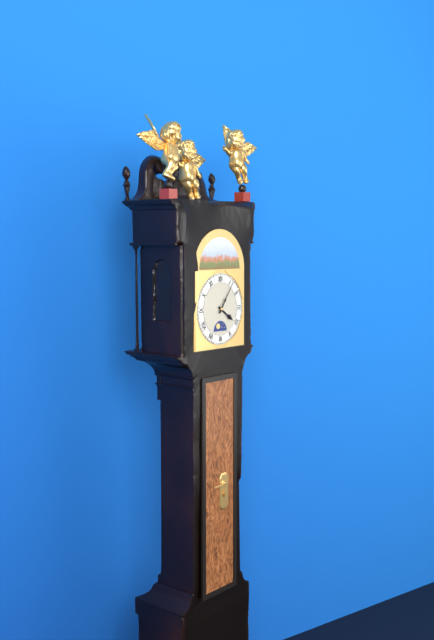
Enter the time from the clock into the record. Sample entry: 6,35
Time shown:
4,06
